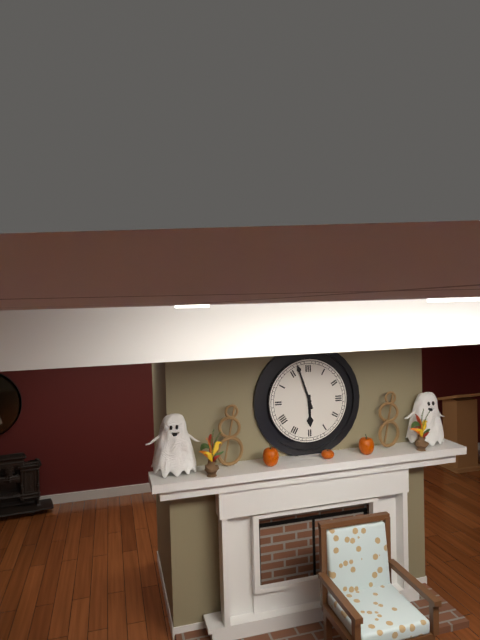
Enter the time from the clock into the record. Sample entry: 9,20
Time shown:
5,57
